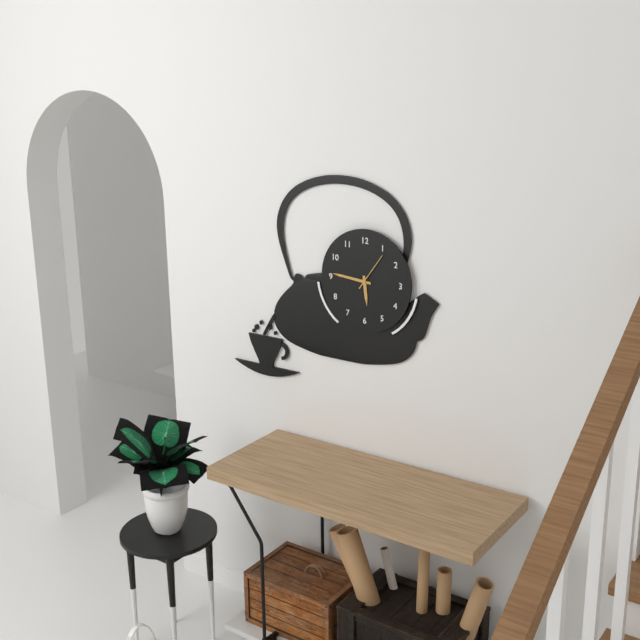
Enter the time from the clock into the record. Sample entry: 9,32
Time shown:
5,46
